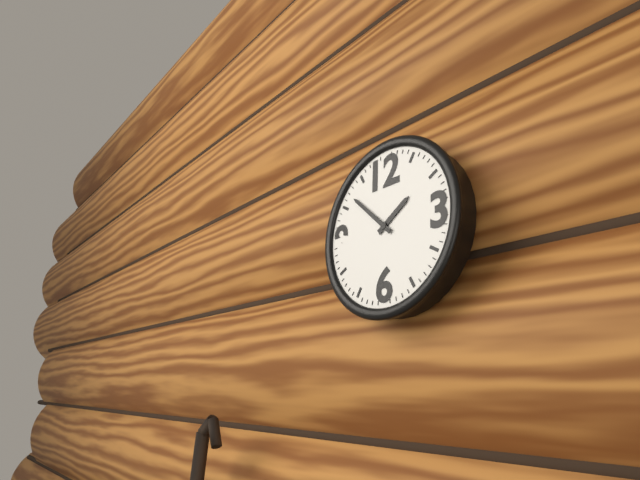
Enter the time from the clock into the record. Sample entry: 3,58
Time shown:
1,52
